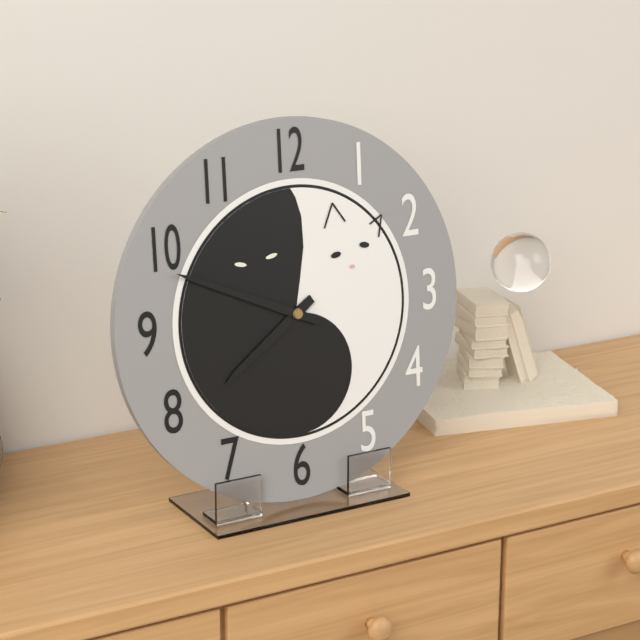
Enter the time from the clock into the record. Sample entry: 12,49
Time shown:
7,49
